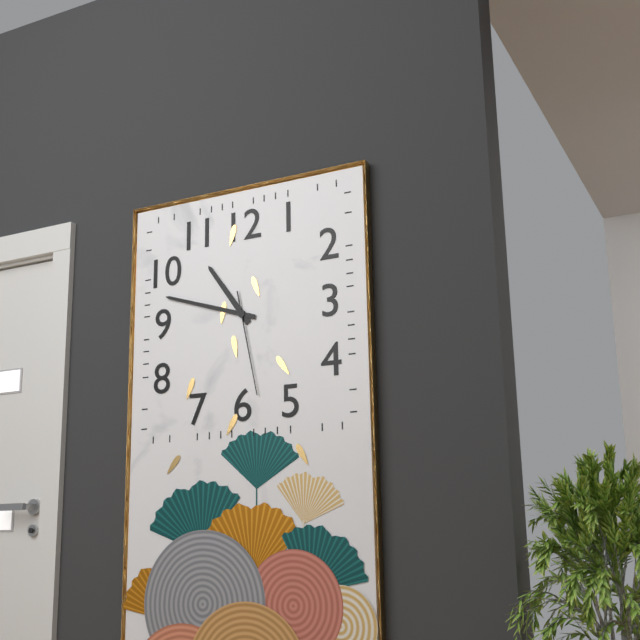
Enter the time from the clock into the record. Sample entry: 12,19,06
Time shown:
10,48,28
